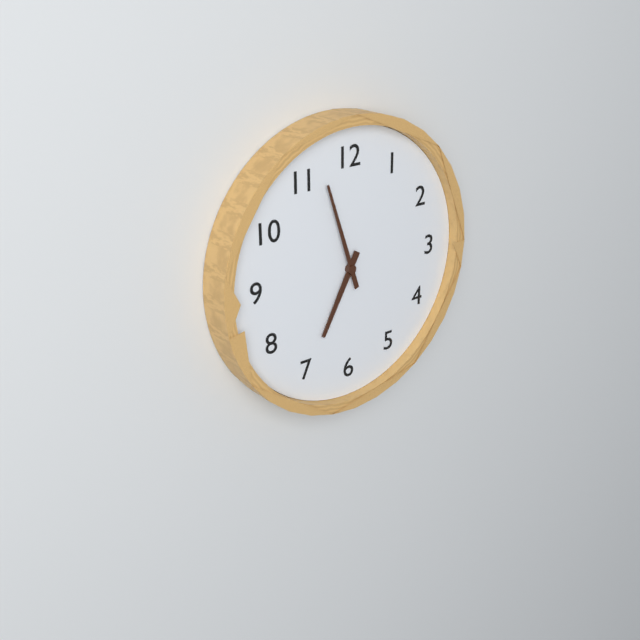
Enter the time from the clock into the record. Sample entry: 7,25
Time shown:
6,57
